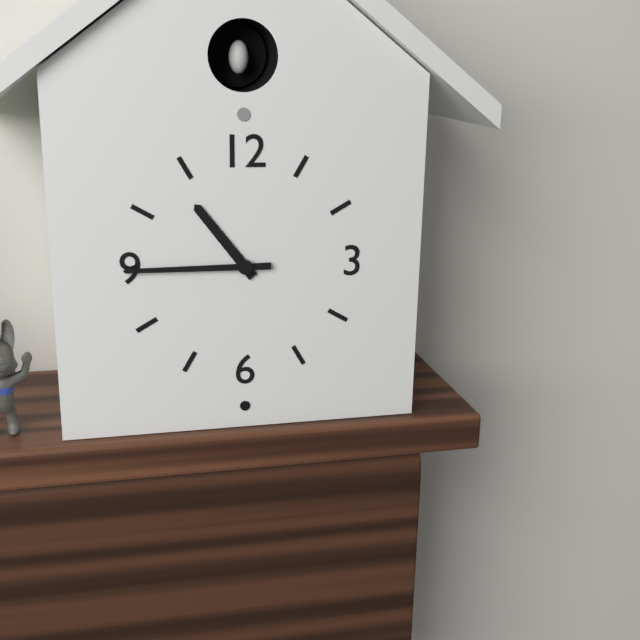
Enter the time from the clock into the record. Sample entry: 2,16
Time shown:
10,45
